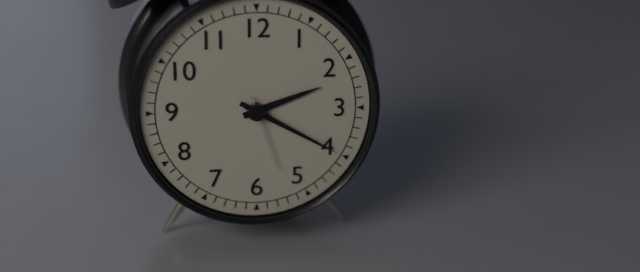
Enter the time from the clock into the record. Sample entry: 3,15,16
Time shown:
2,20,27
